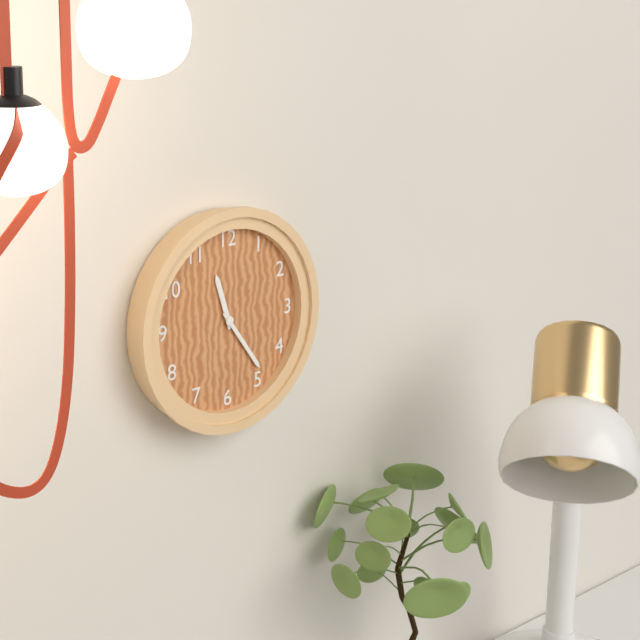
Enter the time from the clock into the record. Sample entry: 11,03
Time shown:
11,24
